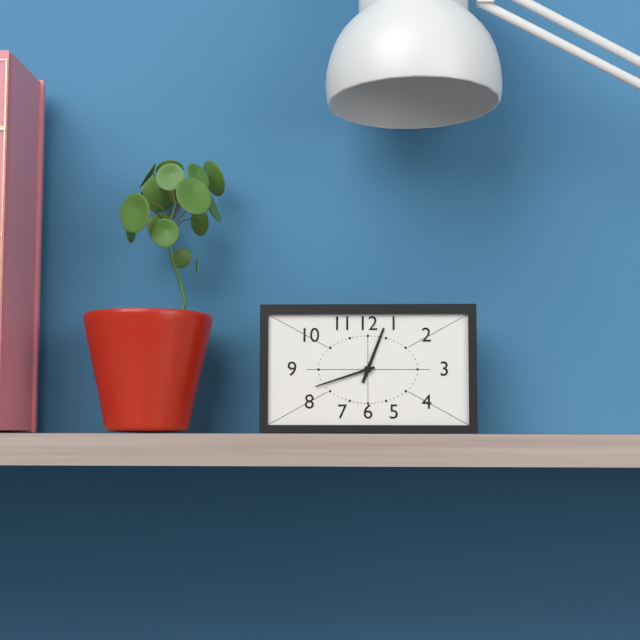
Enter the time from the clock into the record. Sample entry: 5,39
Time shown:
12,42
